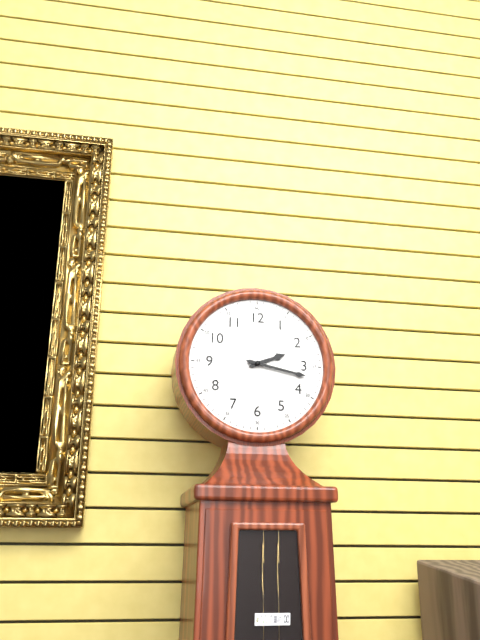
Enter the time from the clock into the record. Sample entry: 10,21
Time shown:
2,17
